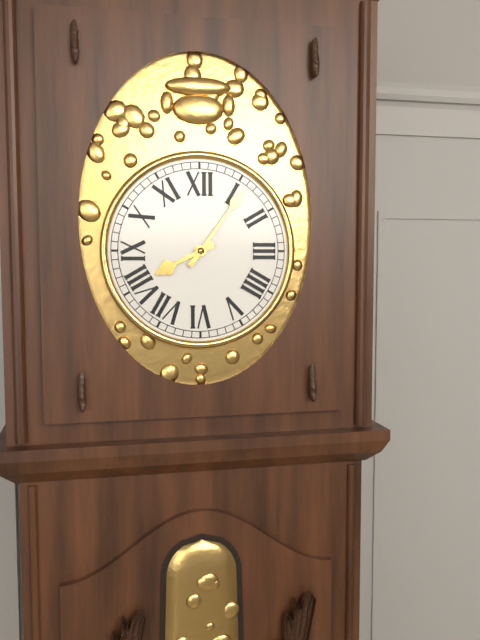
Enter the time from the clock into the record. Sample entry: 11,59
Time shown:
8,06
